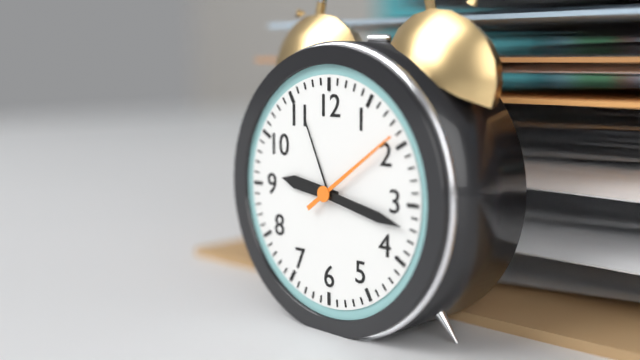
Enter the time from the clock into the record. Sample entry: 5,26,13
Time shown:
9,17,09
